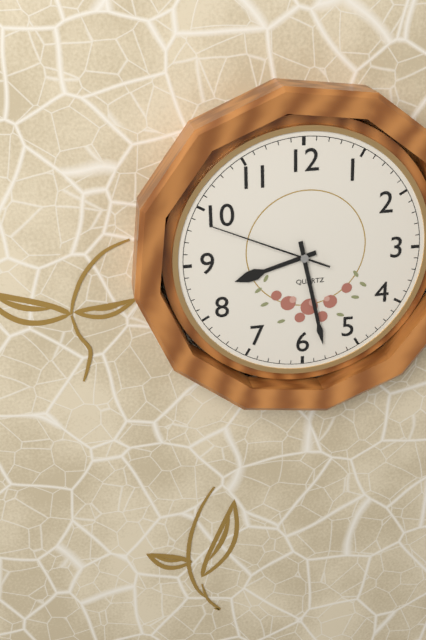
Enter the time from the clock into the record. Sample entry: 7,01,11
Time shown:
8,28,49
